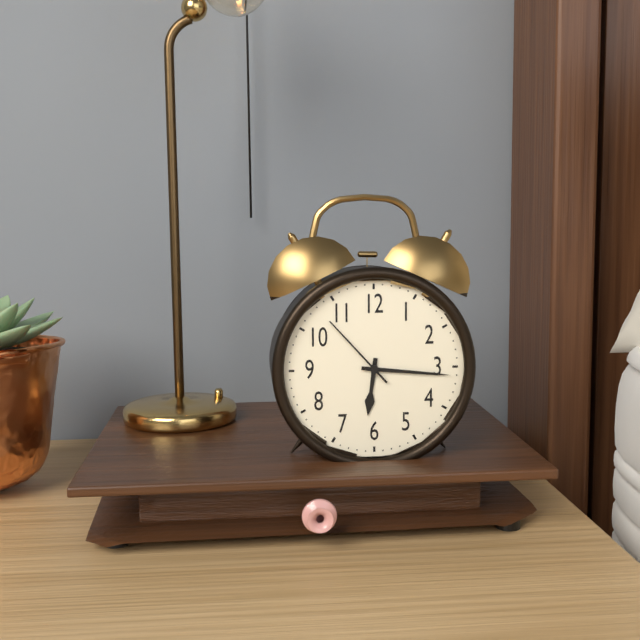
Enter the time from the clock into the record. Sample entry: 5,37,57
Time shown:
6,16,53
